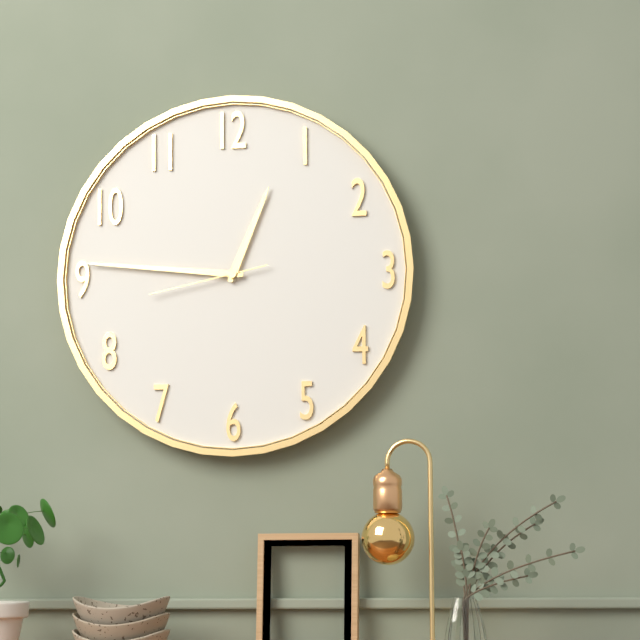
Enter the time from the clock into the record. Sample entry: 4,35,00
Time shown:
12,46,43
